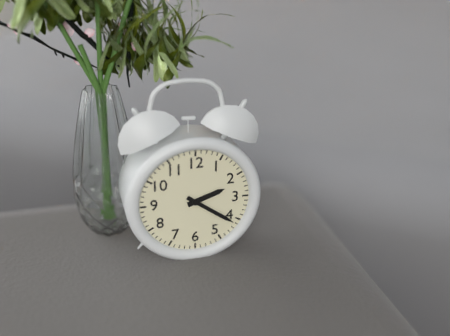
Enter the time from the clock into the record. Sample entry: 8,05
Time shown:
2,21
